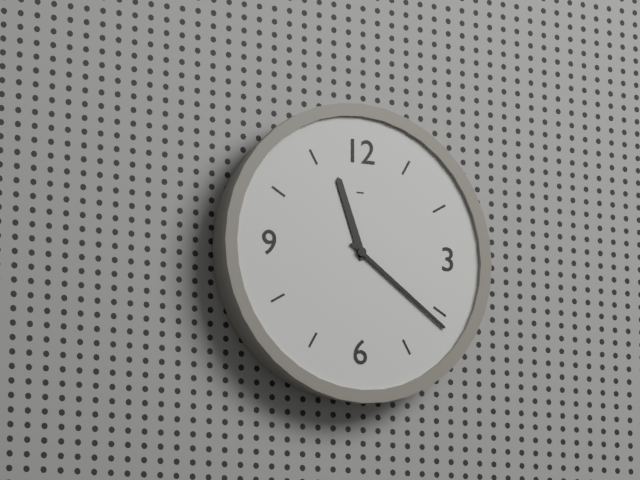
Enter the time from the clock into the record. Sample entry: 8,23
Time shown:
11,21
